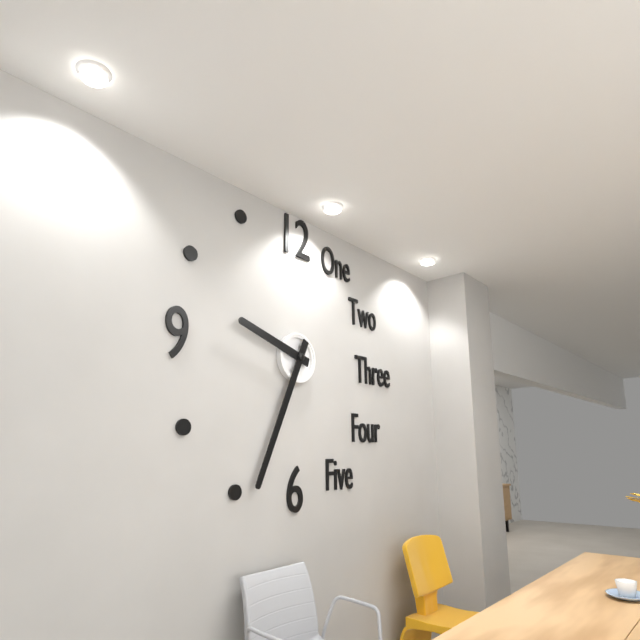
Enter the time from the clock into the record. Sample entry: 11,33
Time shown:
9,34
